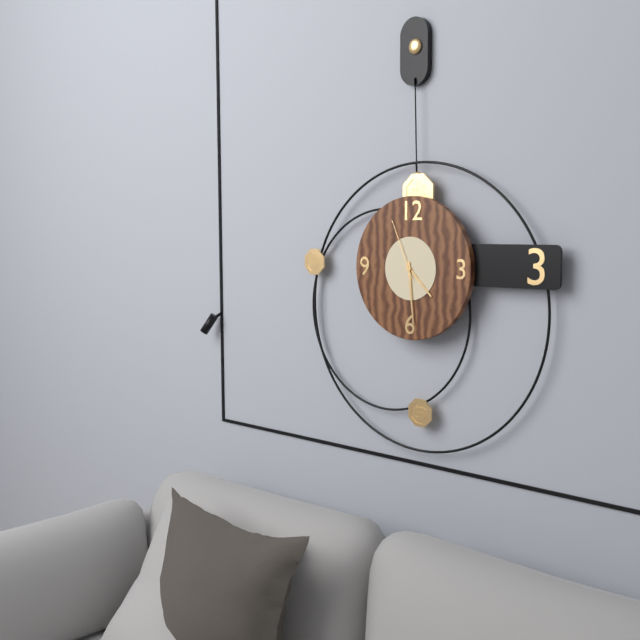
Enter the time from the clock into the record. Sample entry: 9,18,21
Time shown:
4,29,56
